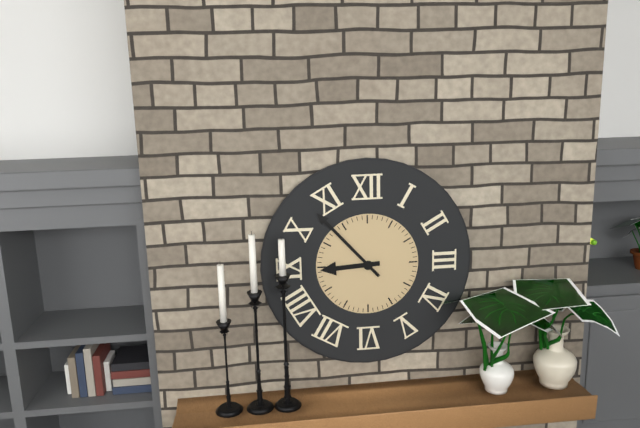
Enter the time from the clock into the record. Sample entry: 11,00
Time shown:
8,53
